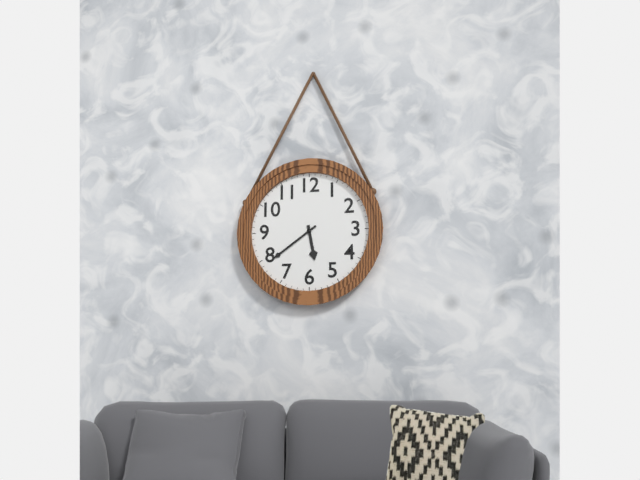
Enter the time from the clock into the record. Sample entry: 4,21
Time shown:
5,39
